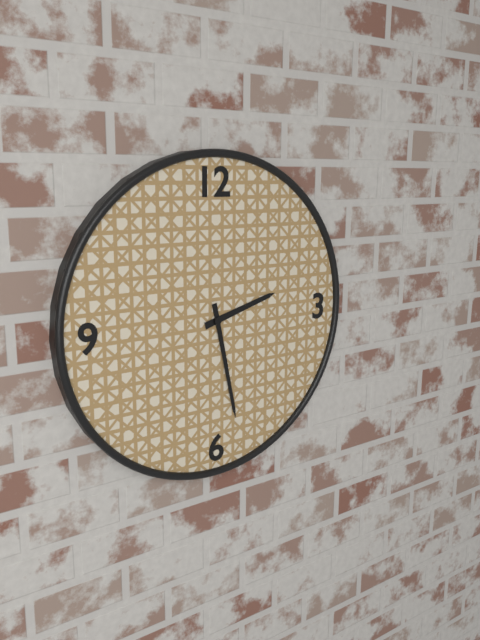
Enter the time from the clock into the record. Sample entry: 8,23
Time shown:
2,28
